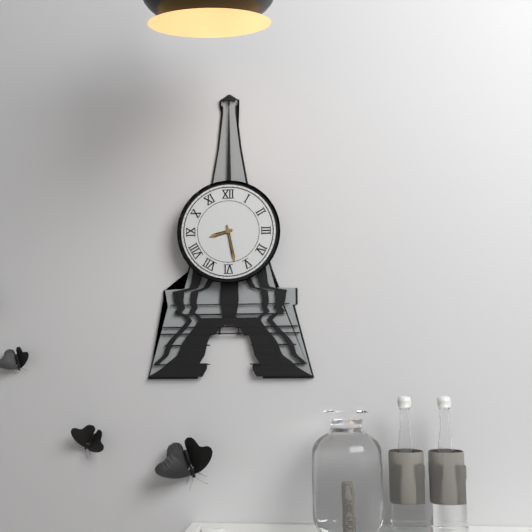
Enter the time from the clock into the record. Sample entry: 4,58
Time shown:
8,28
